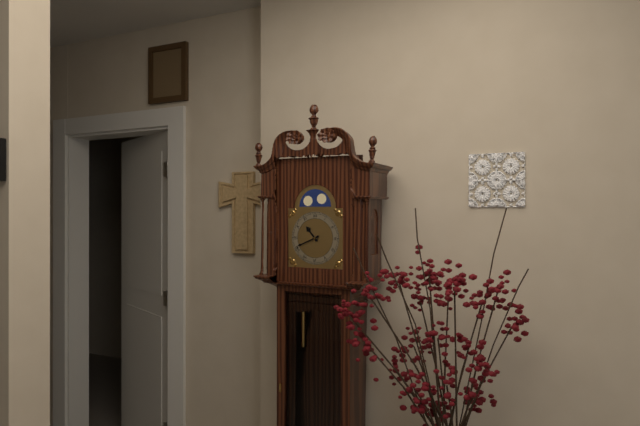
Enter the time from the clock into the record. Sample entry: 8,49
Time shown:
10,41
